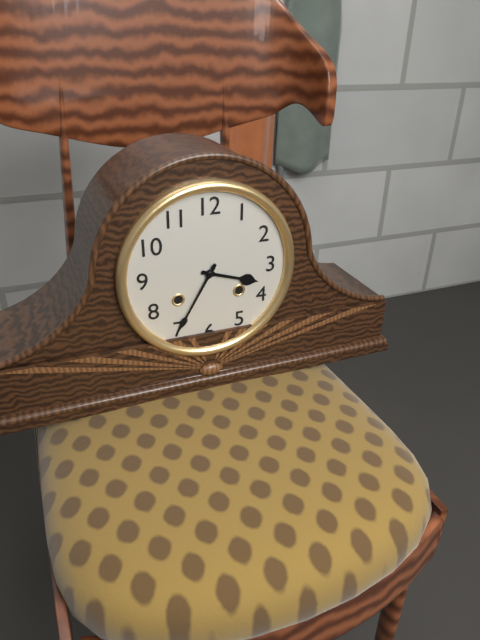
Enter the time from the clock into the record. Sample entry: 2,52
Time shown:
3,35
